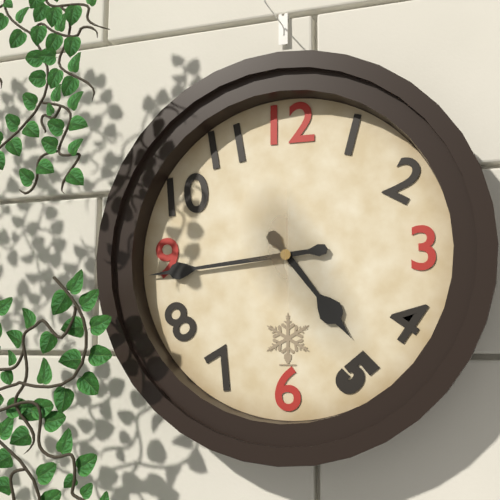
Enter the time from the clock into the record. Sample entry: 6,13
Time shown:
4,44
